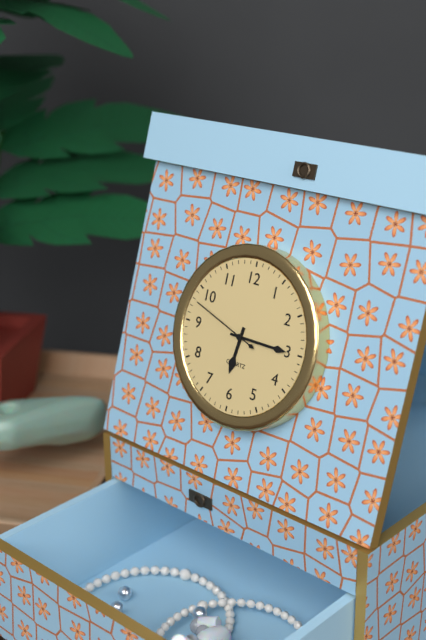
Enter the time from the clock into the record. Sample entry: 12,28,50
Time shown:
6,15,48
